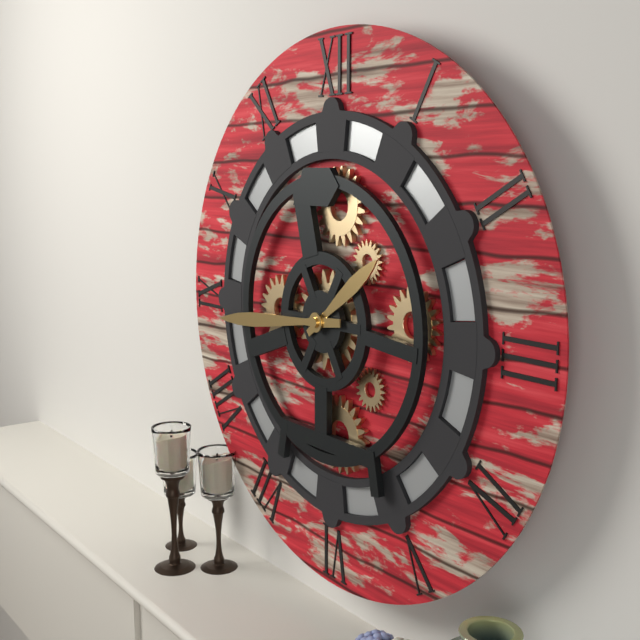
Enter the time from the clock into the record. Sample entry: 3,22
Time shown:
1,44
